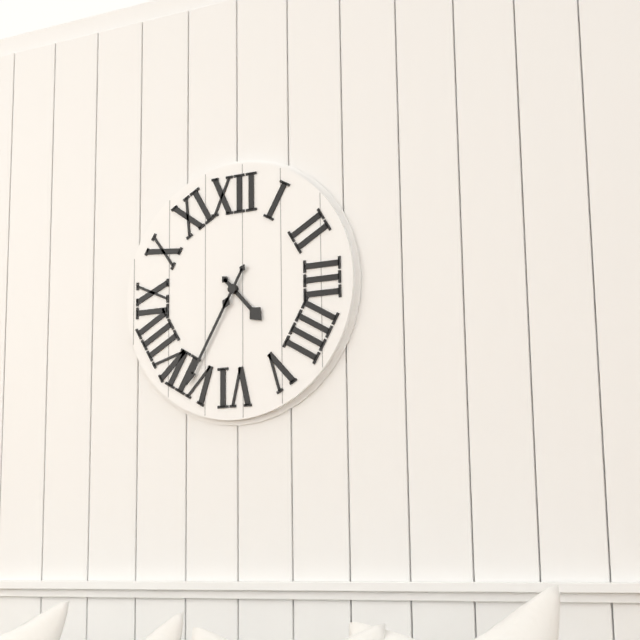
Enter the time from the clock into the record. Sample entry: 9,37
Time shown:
4,35
